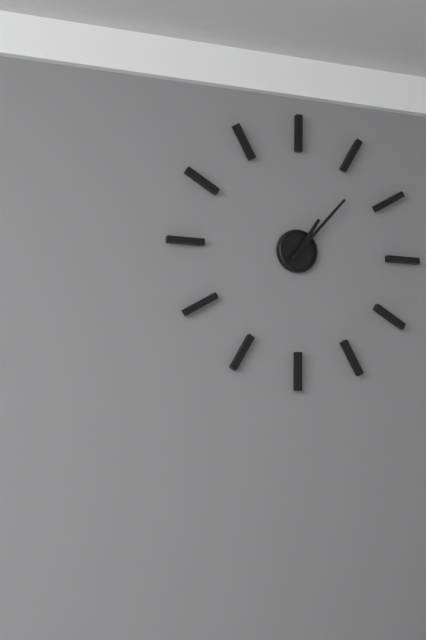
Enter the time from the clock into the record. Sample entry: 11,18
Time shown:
1,07
